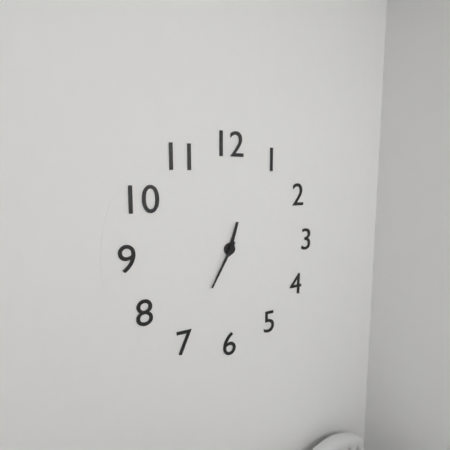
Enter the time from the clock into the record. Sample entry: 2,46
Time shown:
12,35
